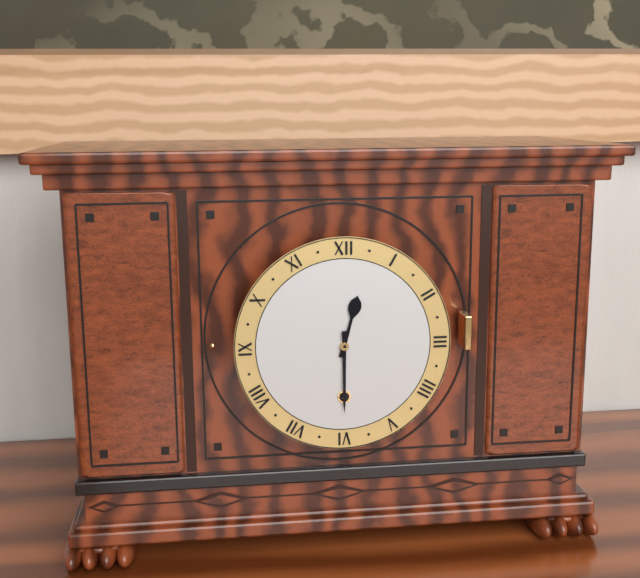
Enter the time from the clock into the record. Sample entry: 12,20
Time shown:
12,30
